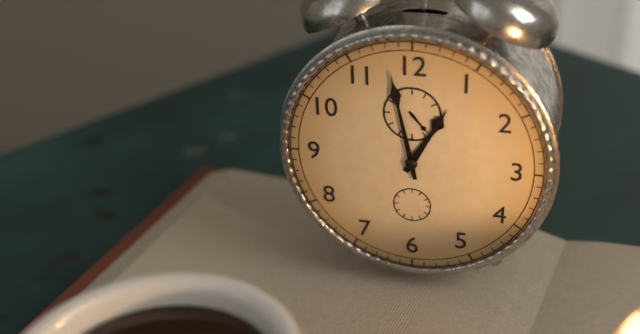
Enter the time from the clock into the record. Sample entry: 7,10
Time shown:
12,58
